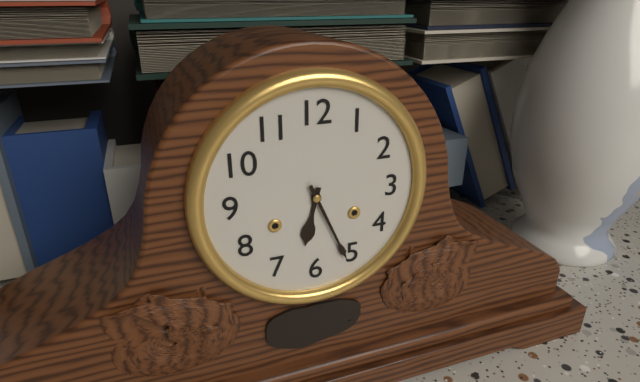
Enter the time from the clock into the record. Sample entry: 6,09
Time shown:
6,26
